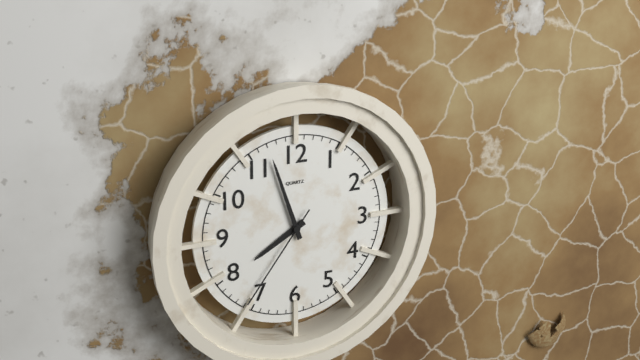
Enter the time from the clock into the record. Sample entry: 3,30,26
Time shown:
7,57,36
